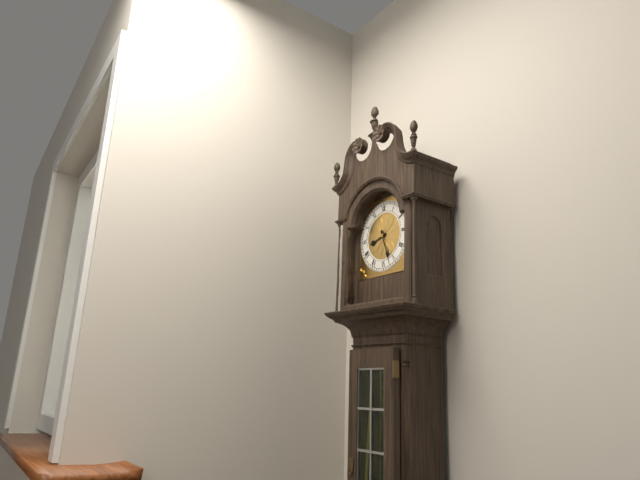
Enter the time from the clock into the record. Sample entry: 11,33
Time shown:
8,27
